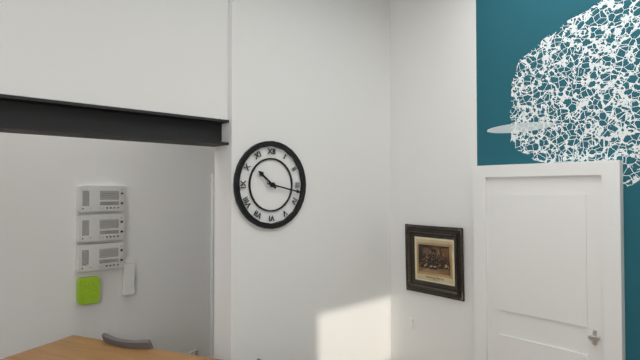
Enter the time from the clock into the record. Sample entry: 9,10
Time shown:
10,17
